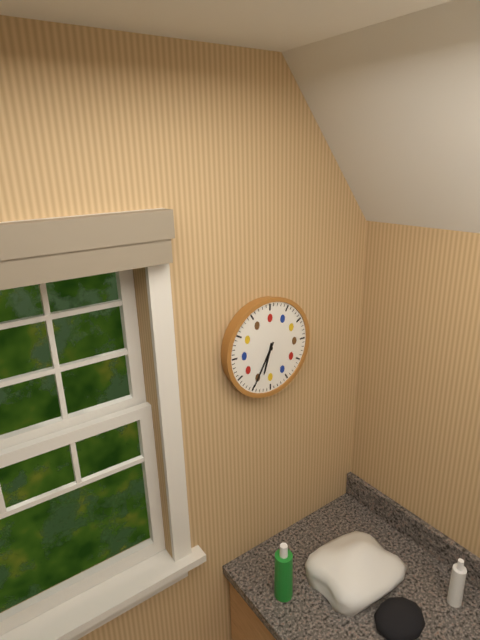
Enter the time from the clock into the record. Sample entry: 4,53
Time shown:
6,35
